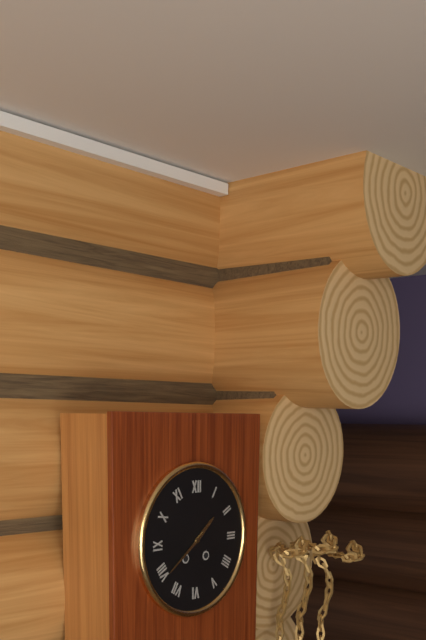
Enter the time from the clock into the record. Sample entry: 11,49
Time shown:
1,39
